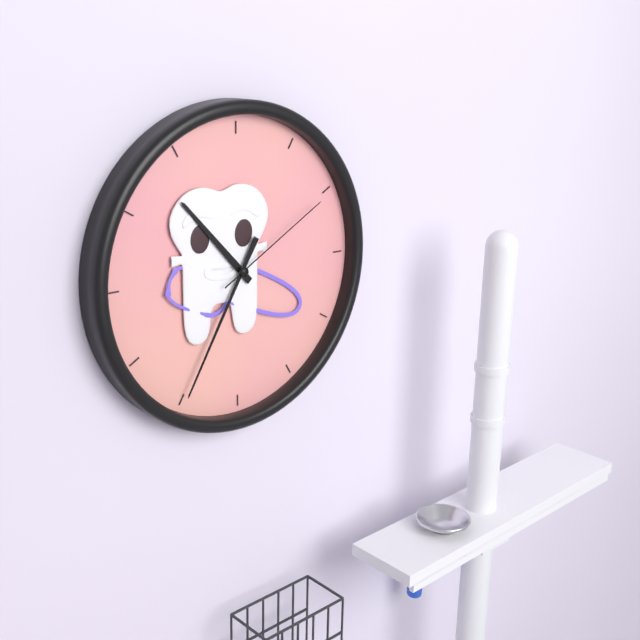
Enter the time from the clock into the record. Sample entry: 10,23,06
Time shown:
10,35,10
